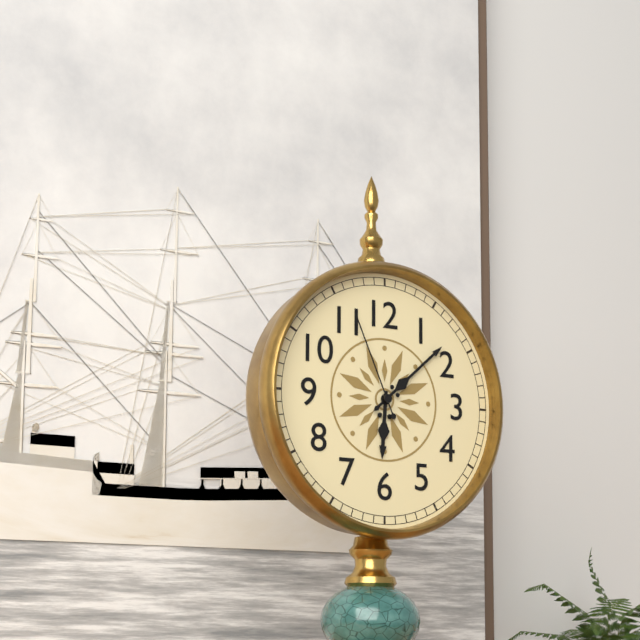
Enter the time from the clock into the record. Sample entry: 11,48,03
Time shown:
6,08,56
